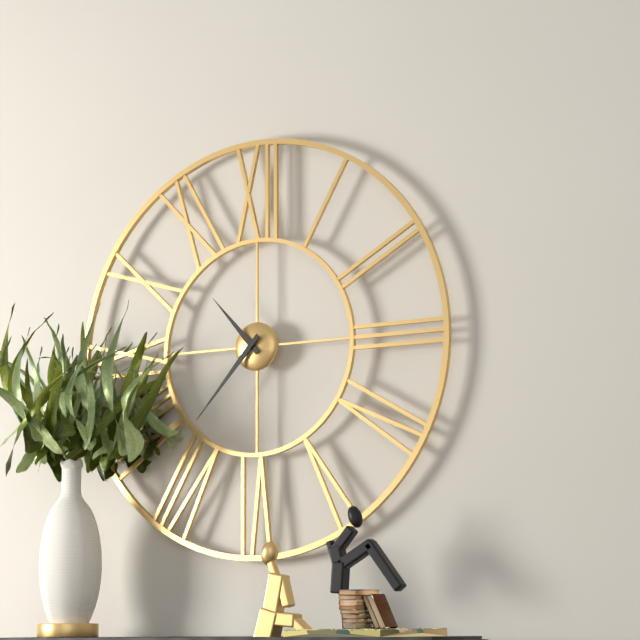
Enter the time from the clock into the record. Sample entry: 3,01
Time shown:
10,37
